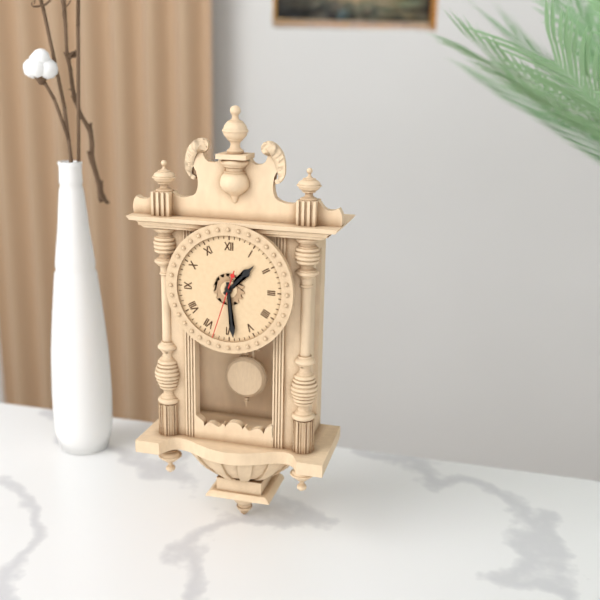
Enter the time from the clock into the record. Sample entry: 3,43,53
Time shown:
1,29,33
